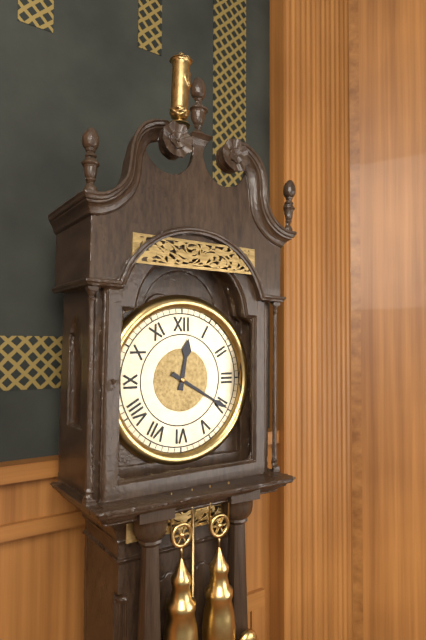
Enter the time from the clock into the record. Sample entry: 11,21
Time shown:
12,20
